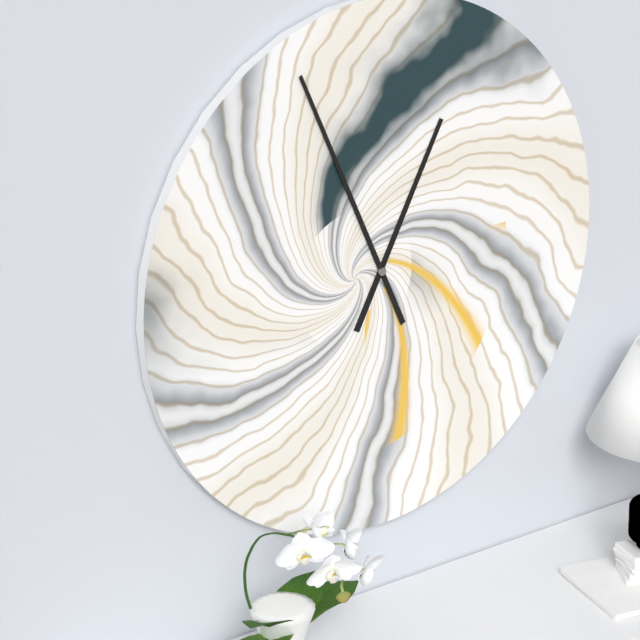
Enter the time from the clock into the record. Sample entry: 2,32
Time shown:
12,56
